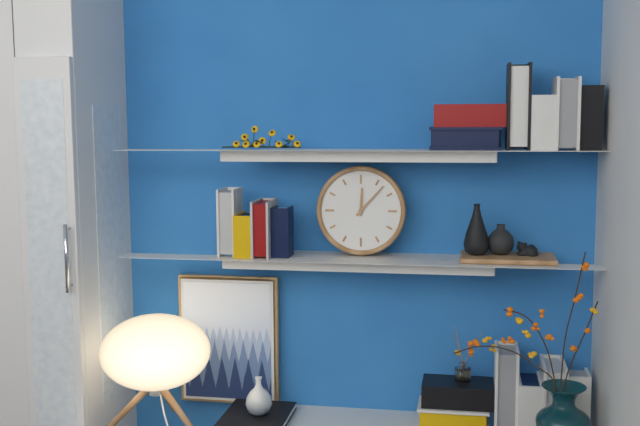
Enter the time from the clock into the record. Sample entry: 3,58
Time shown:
12,07
